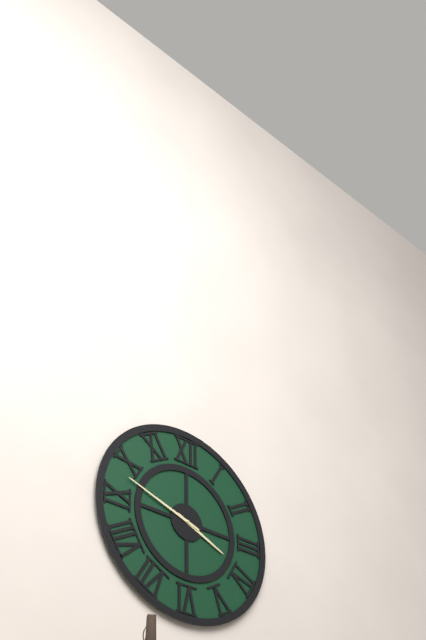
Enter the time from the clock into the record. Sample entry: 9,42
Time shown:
3,48
